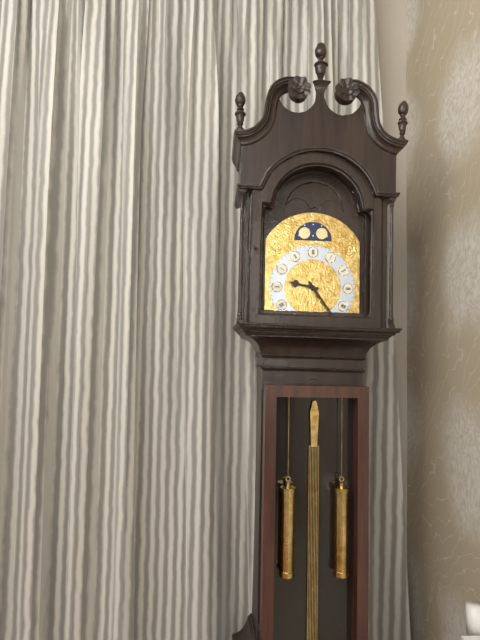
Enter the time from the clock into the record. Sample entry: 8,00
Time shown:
9,24
